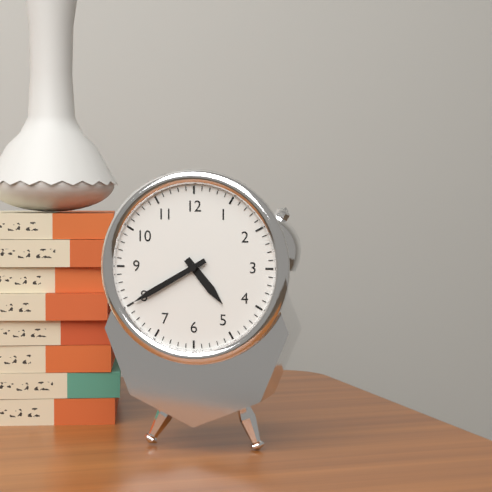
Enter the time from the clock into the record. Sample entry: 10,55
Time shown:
4,40
